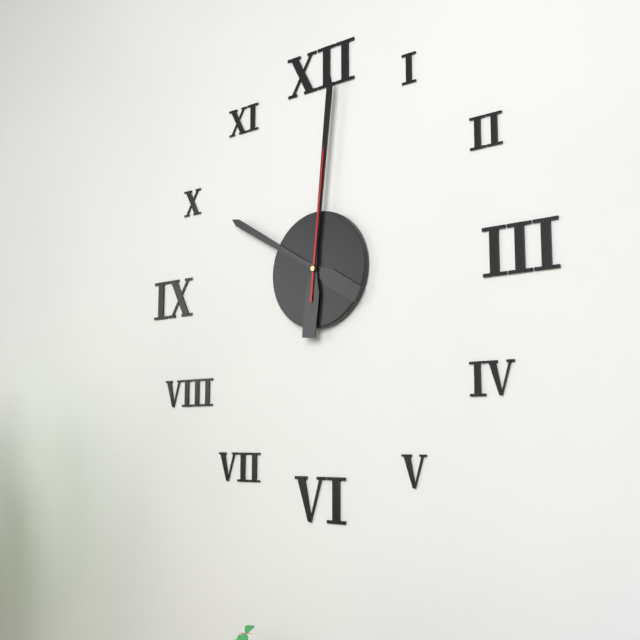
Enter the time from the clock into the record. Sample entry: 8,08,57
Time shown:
10,01,01
